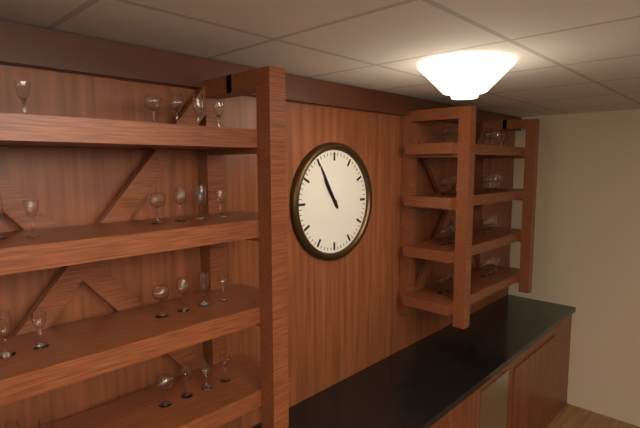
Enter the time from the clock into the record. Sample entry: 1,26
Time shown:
10,55
